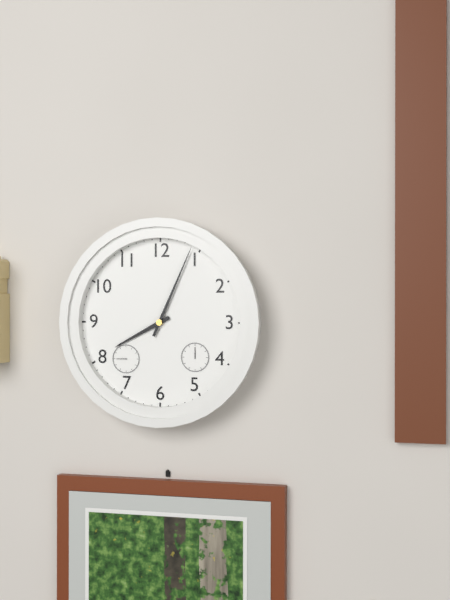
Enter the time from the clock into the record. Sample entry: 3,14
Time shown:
8,04
